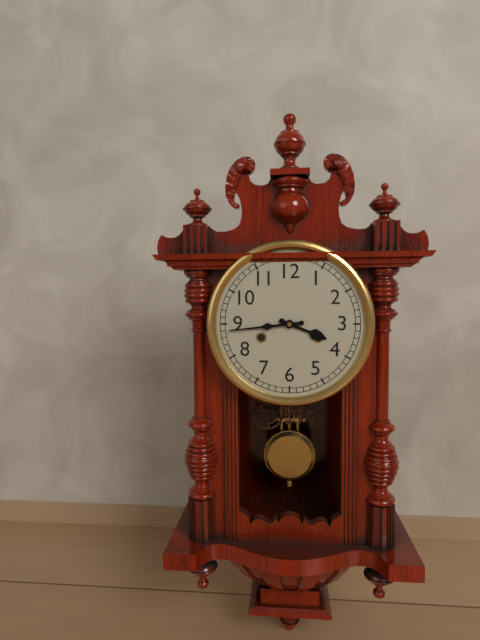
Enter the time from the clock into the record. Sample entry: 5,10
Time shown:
3,44
